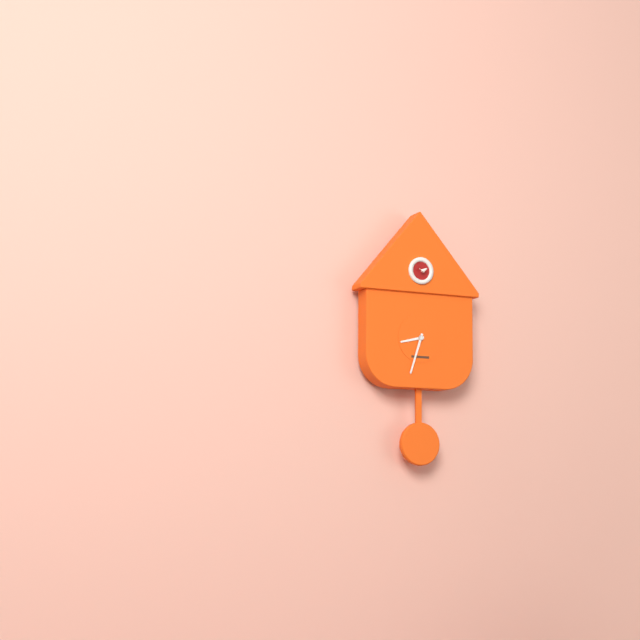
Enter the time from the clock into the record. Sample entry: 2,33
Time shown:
8,33
